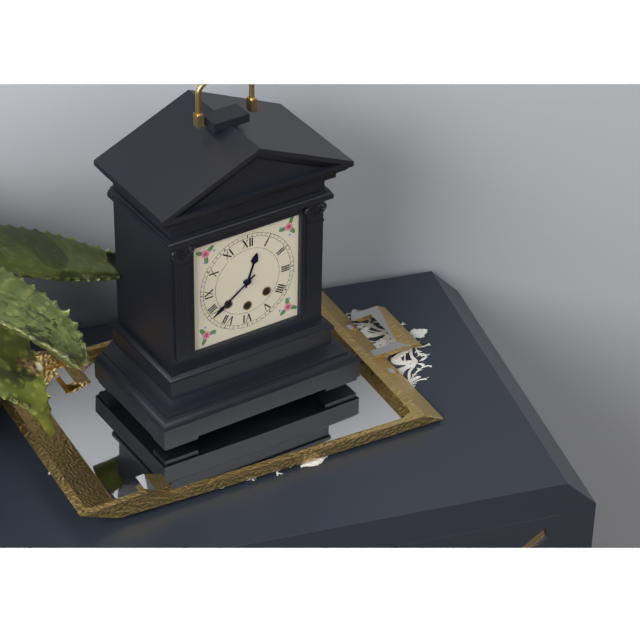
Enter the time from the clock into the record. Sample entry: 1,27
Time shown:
12,39
